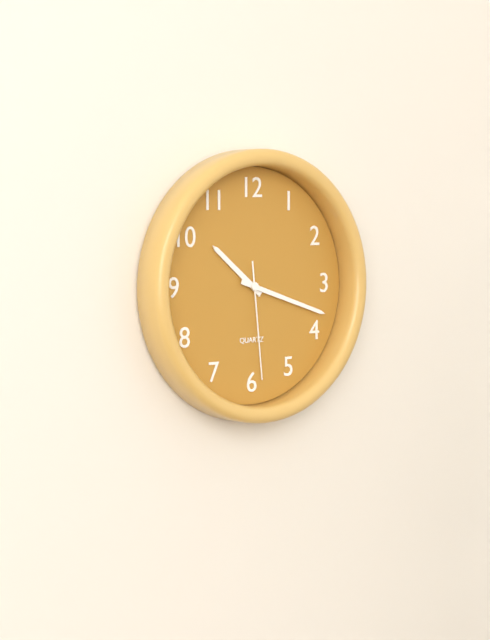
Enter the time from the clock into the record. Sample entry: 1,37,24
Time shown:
10,18,29
